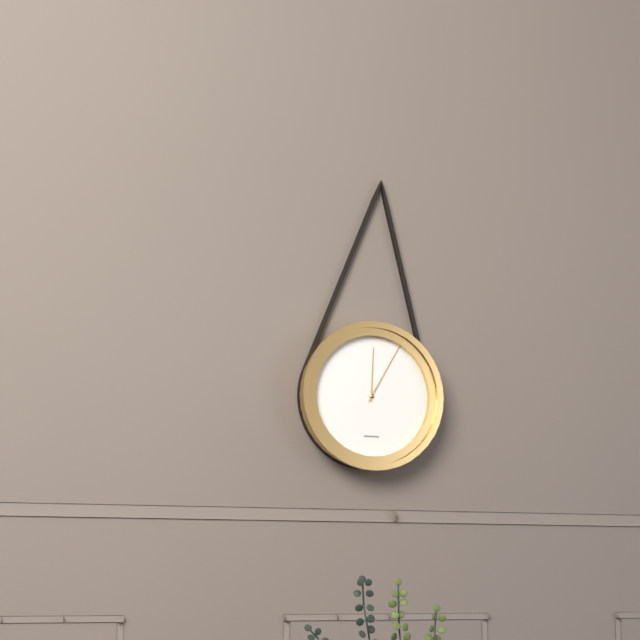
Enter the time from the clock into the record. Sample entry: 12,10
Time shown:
12,05
